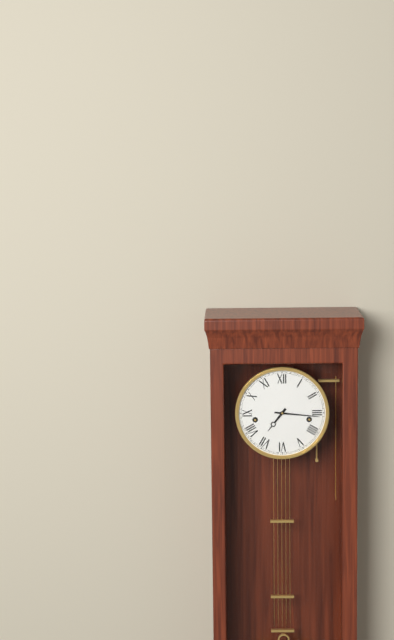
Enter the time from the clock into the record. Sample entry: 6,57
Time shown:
7,16
